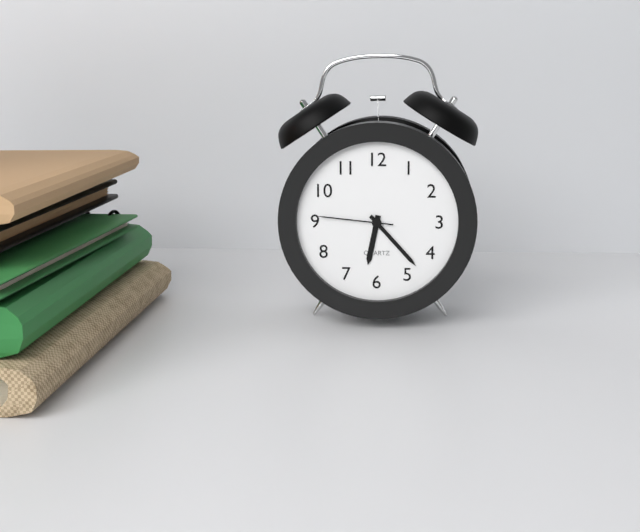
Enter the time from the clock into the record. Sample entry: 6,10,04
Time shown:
6,23,46
